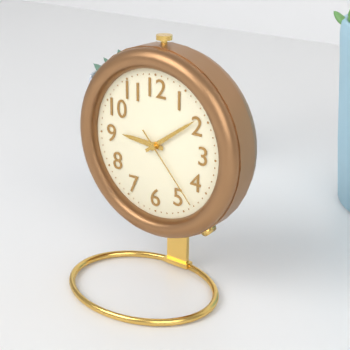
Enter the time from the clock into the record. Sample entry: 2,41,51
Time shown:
9,09,23
